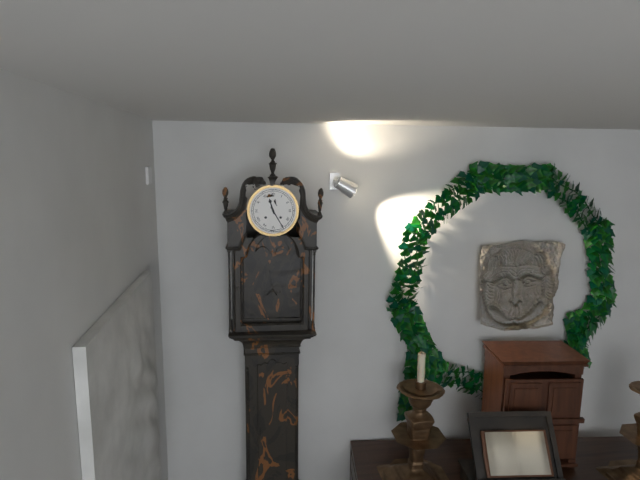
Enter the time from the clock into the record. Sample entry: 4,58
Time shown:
11,25
